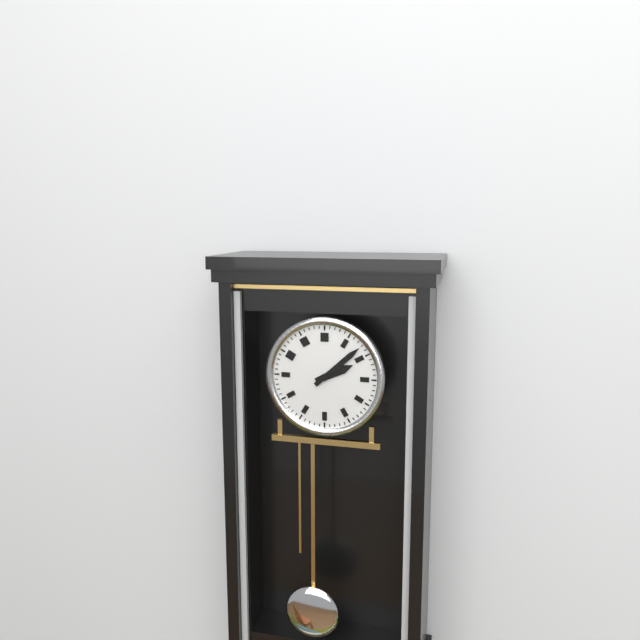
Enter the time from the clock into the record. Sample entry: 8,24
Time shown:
2,08
